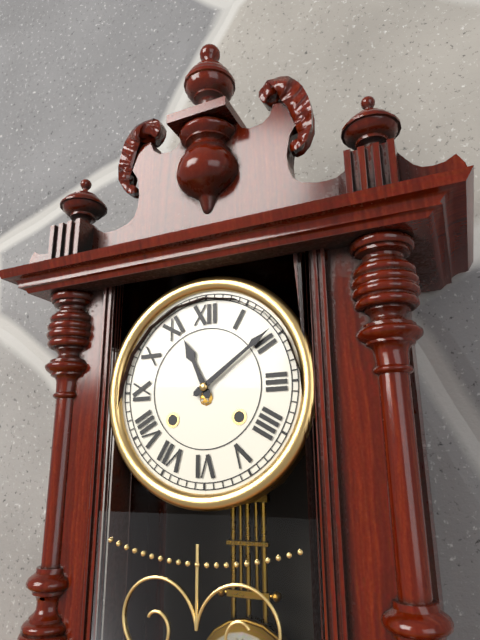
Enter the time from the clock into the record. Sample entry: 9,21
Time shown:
11,09
